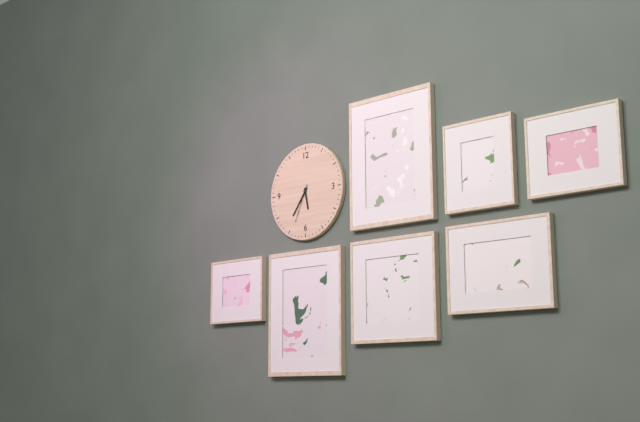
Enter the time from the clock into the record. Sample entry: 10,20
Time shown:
5,36
